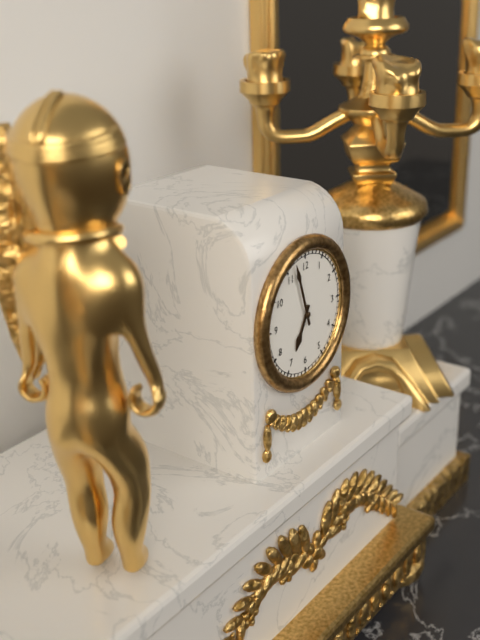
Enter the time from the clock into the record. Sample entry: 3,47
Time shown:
6,57
